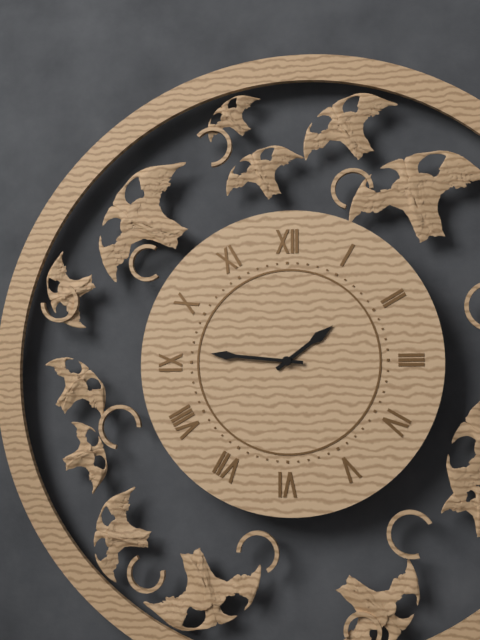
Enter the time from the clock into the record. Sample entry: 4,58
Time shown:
1,46
